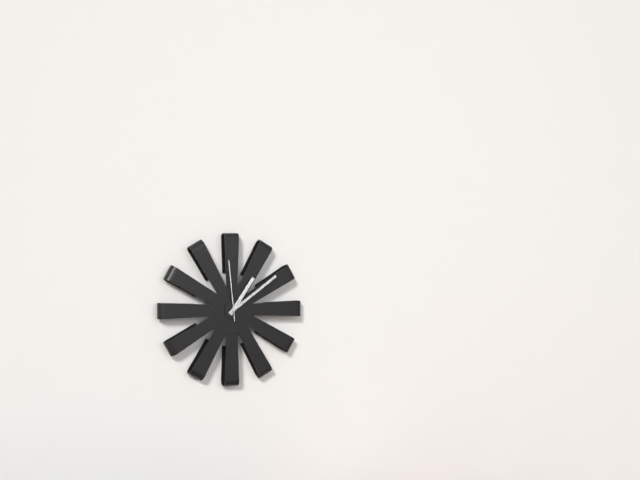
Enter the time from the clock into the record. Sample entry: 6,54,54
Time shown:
1,09,59
